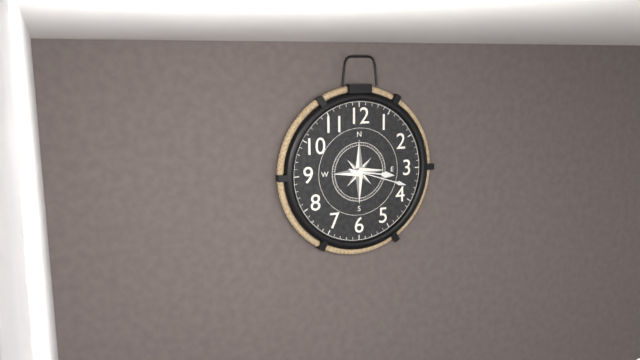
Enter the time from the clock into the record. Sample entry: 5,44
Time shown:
3,18
